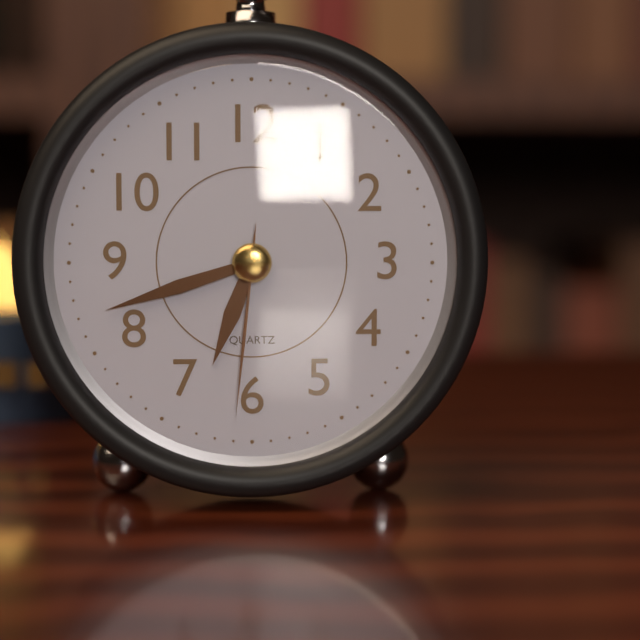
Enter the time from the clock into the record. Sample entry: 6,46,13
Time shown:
6,42,31
